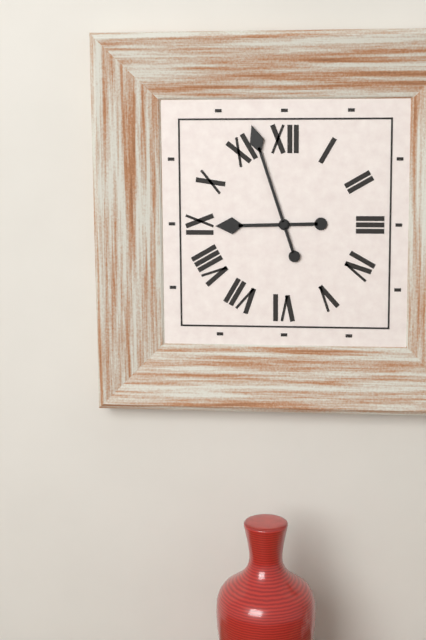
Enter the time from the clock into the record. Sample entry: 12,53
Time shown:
8,57
